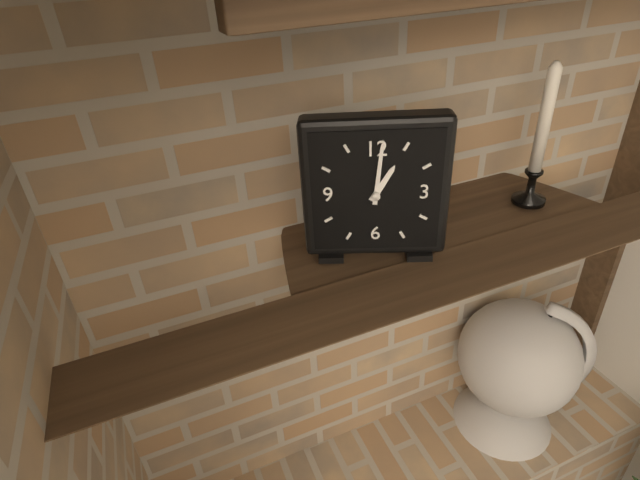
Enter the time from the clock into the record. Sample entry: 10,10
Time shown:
1,01
